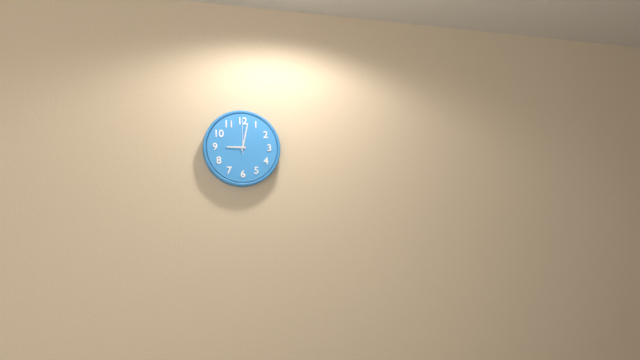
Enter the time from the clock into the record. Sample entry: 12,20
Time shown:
9,02
